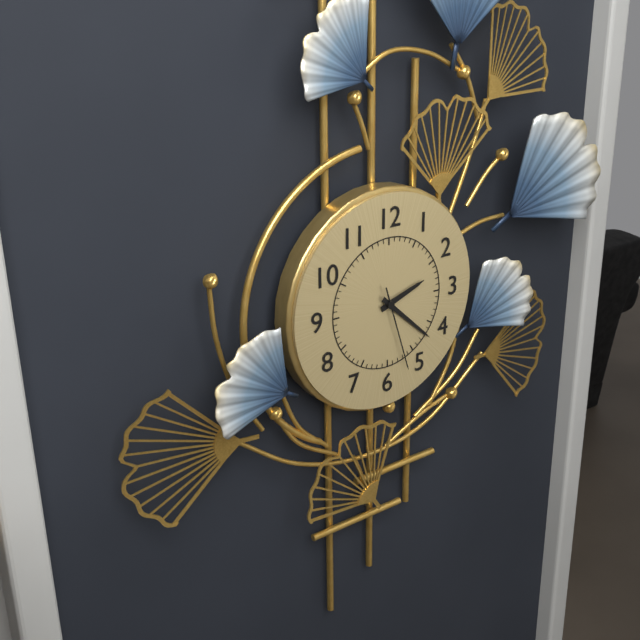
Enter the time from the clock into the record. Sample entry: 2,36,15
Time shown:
2,22,27
